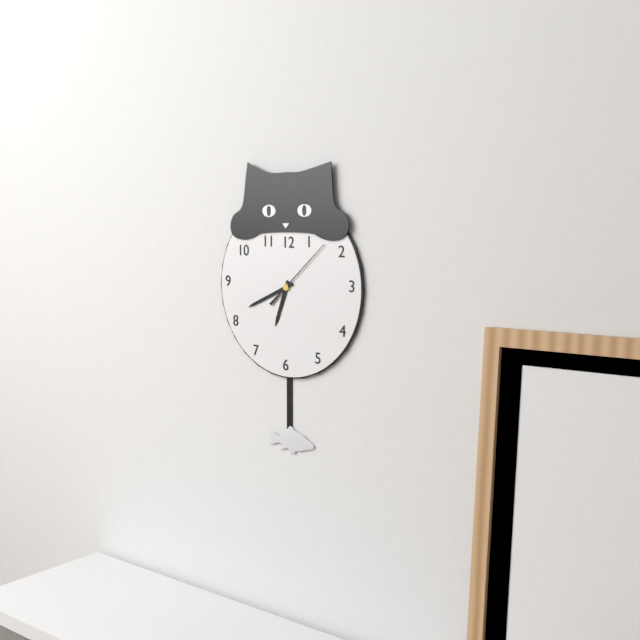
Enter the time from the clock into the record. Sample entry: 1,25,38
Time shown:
6,41,08
